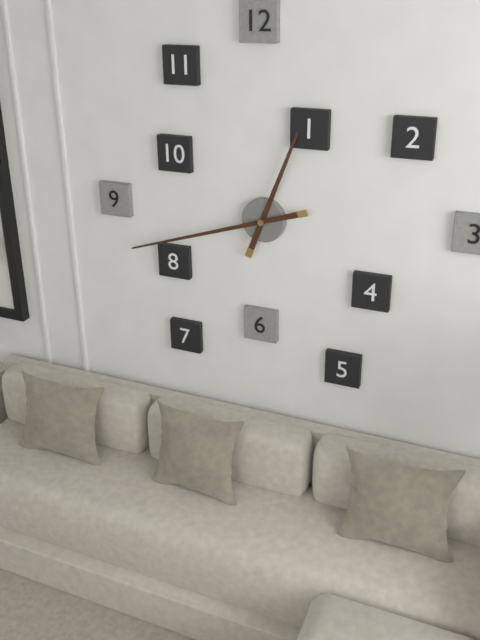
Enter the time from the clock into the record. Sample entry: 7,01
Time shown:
12,42
